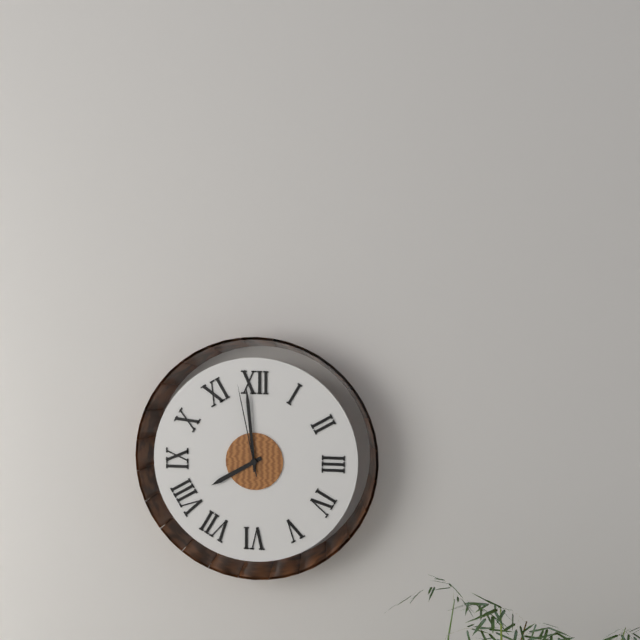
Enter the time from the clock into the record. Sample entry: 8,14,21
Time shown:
7,59,58
